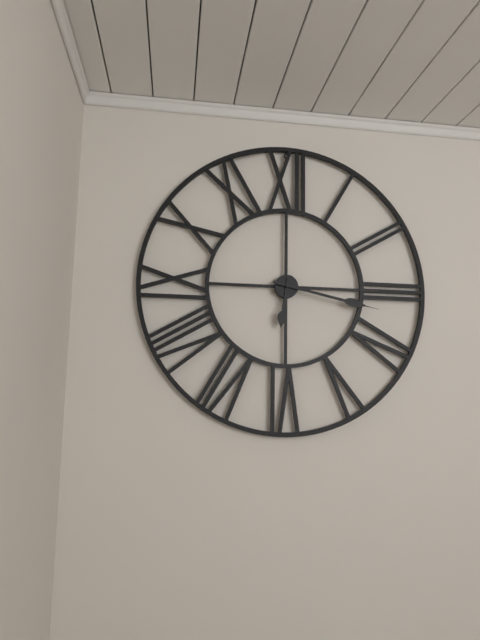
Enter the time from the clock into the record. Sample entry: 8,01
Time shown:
6,17
